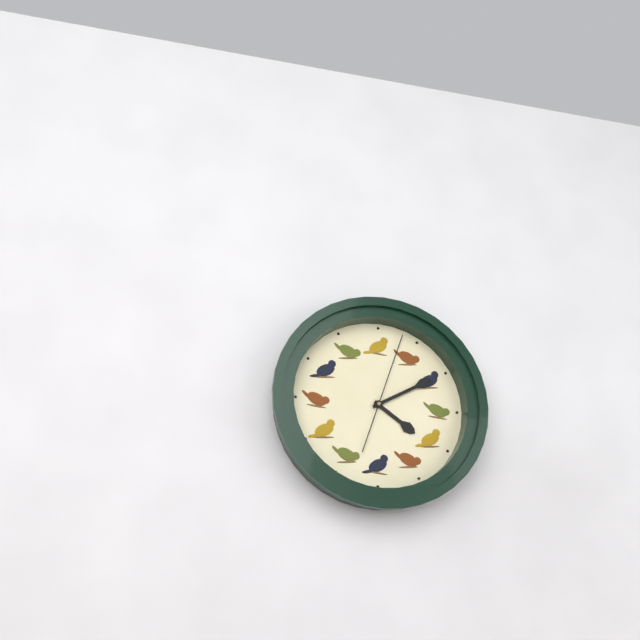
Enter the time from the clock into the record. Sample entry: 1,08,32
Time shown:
4,10,03
